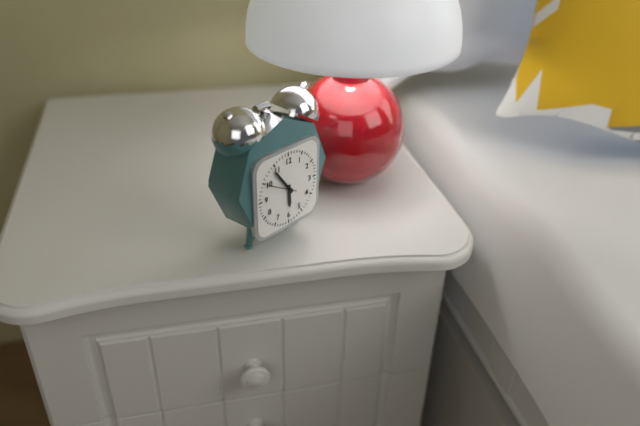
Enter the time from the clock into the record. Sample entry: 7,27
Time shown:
5,54
